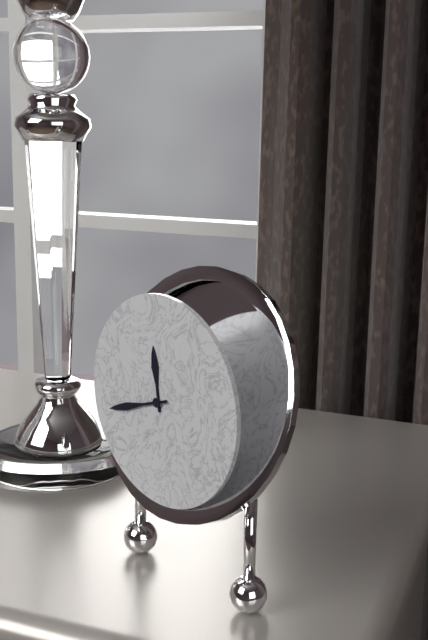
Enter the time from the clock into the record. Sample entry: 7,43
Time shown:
11,42
